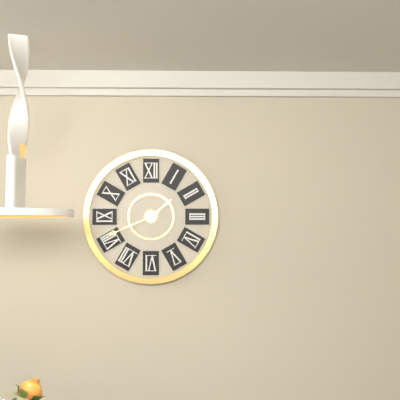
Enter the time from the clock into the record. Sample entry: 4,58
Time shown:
1,41
